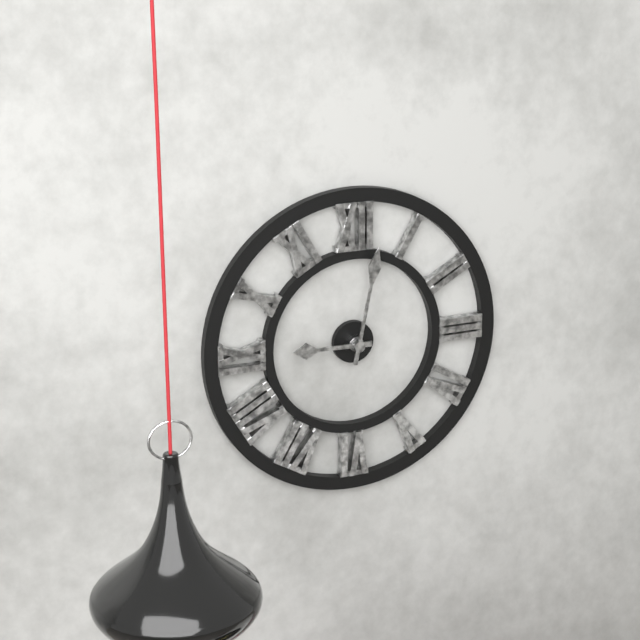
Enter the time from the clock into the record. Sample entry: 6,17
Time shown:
9,02
